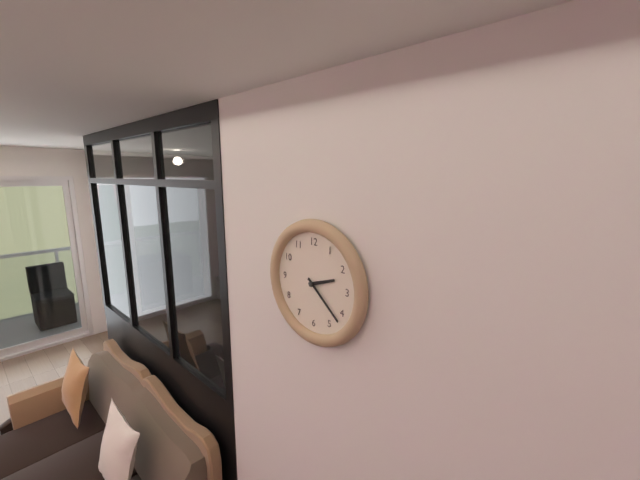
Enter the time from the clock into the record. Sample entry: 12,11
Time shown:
2,22
